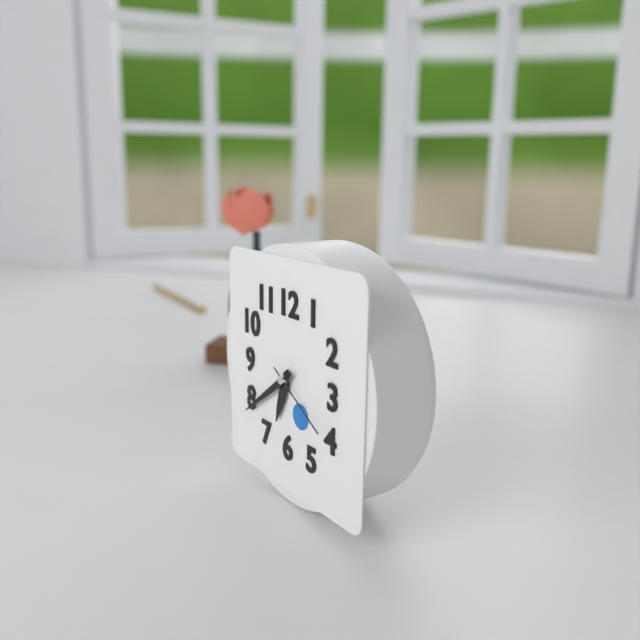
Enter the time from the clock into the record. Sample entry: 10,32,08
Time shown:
6,39,20
